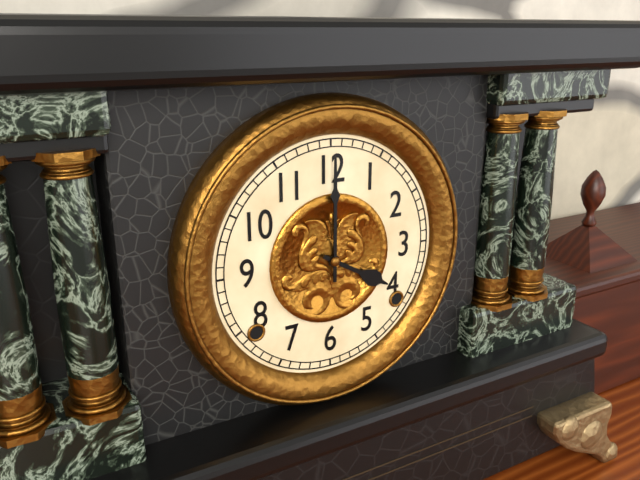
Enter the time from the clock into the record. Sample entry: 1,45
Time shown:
4,00
